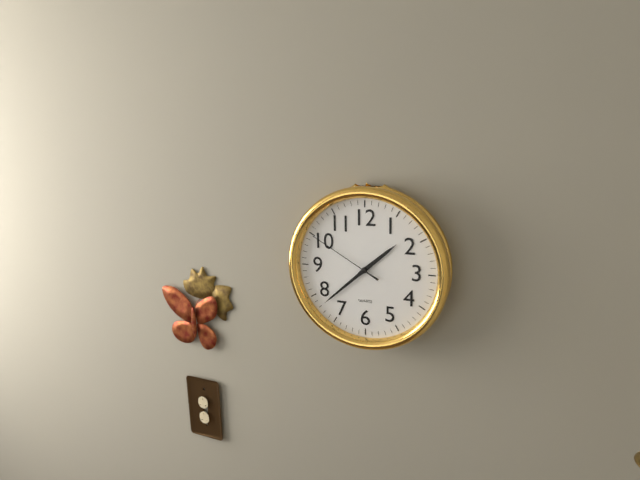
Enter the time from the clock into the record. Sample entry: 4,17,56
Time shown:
1,38,50
